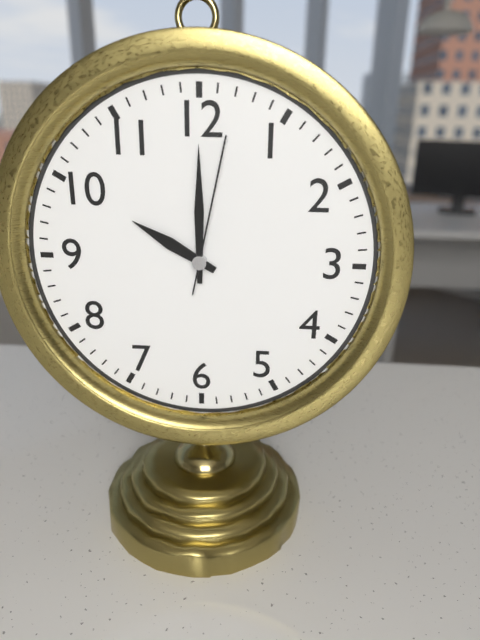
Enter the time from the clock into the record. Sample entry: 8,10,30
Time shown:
10,00,02
